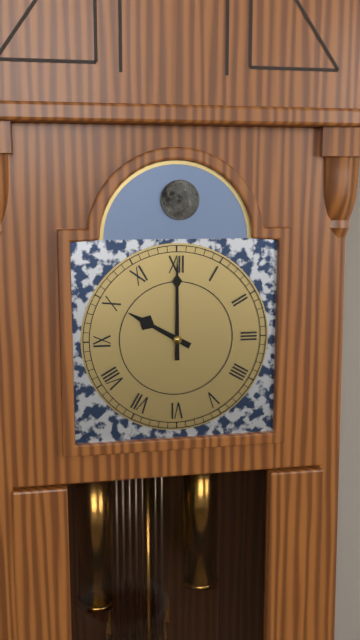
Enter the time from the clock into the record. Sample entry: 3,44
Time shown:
10,00
